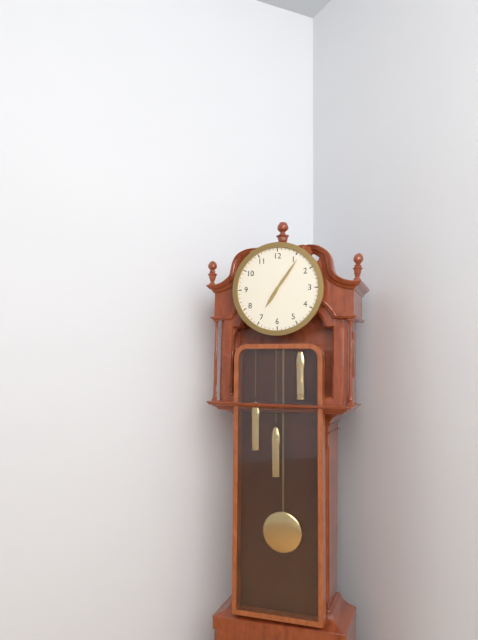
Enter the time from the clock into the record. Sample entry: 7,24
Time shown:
7,06
